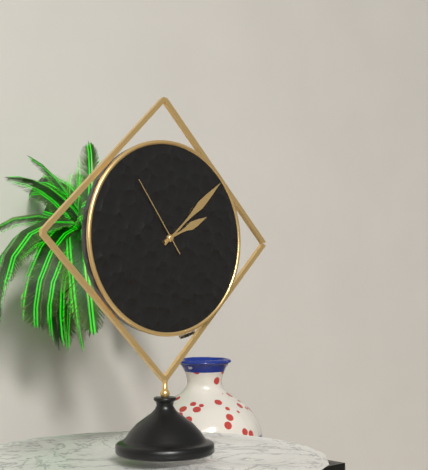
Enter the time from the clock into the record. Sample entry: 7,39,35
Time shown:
2,08,54
